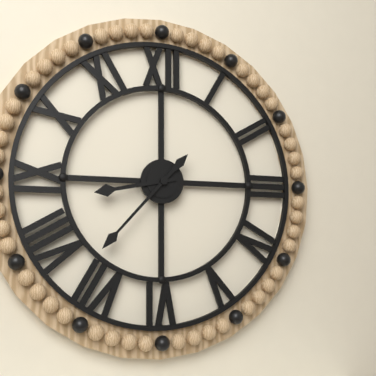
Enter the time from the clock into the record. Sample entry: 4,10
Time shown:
8,37
